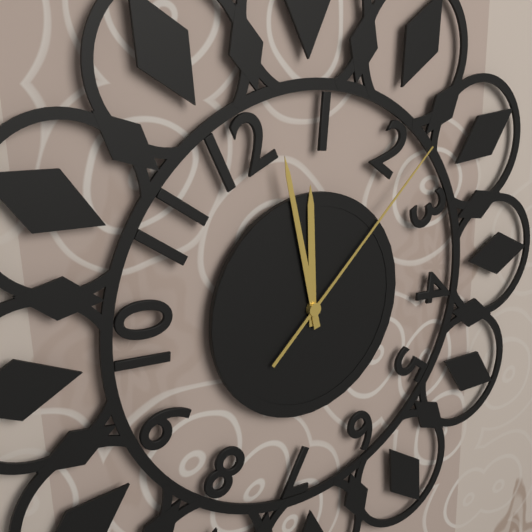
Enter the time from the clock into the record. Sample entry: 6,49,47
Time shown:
11,58,08
